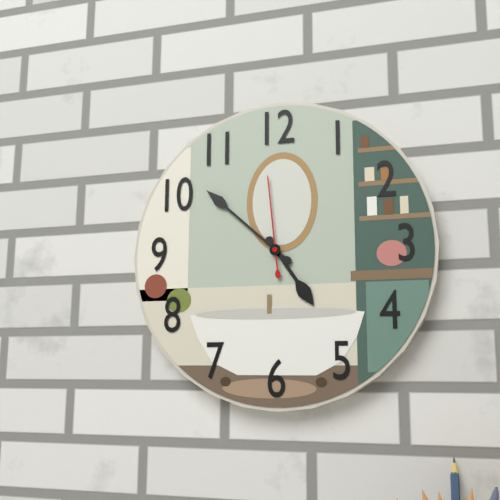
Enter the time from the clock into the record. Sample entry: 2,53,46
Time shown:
4,52,59
